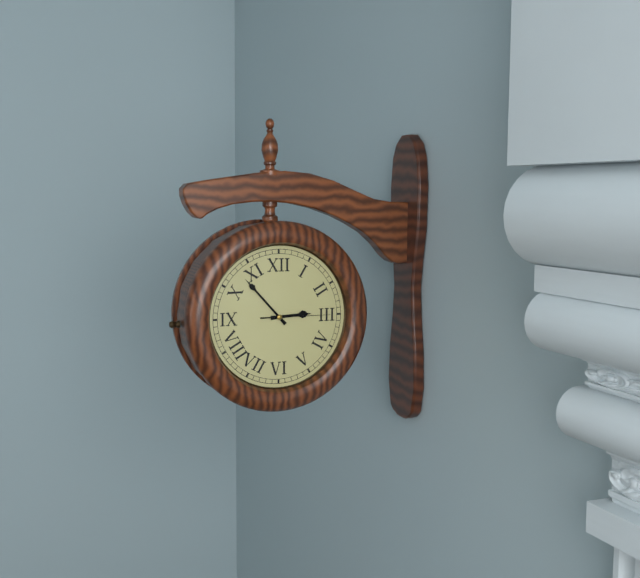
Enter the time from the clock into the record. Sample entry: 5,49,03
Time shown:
2,53,15
